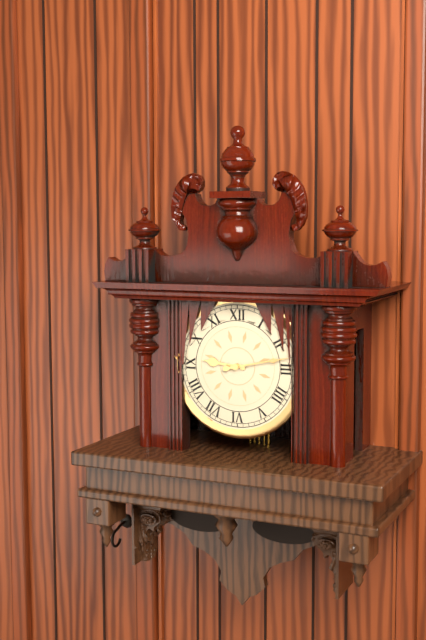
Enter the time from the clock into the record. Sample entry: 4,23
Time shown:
9,13
